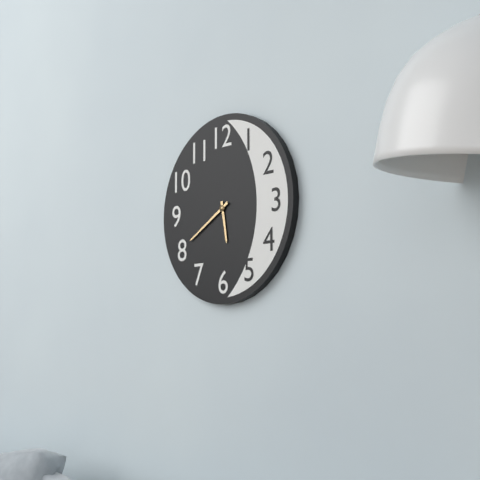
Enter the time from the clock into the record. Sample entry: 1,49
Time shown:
5,40
